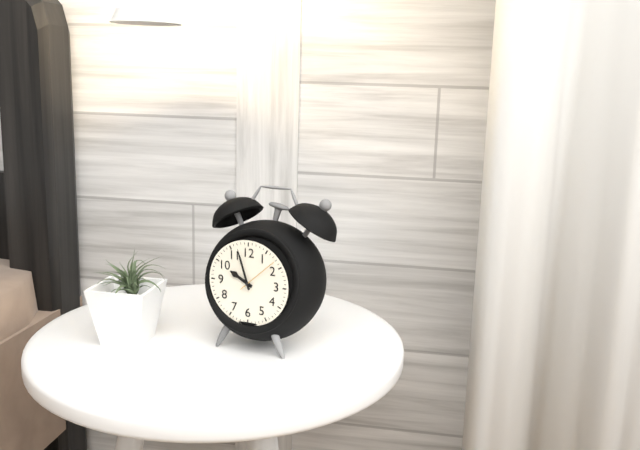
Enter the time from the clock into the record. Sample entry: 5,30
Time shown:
9,57
